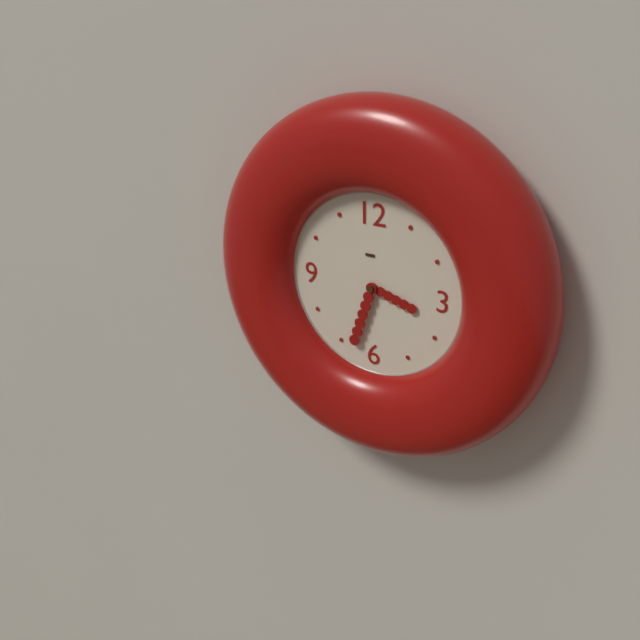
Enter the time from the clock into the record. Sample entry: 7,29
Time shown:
3,33
